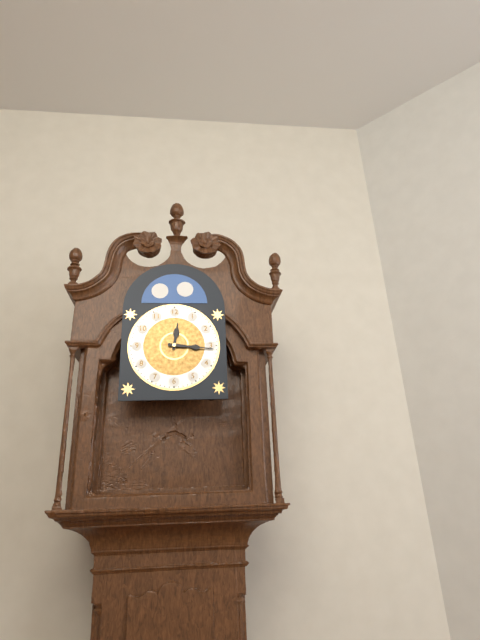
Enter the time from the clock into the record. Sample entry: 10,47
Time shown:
12,16
